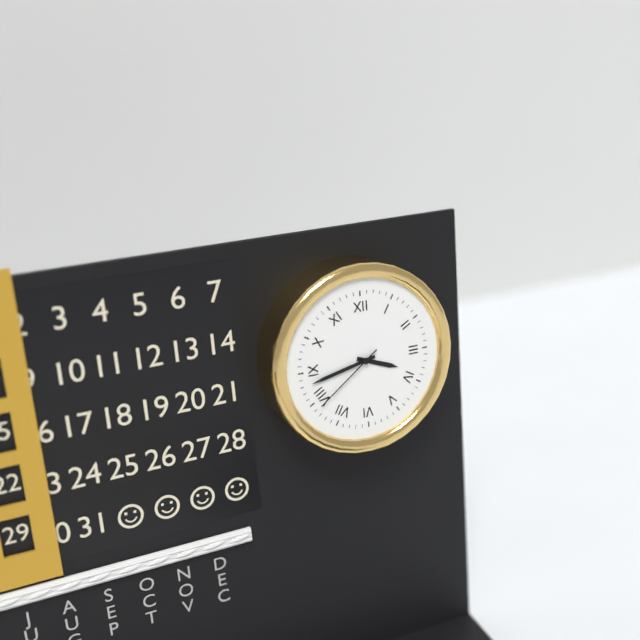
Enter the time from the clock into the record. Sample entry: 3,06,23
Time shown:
3,43,39
